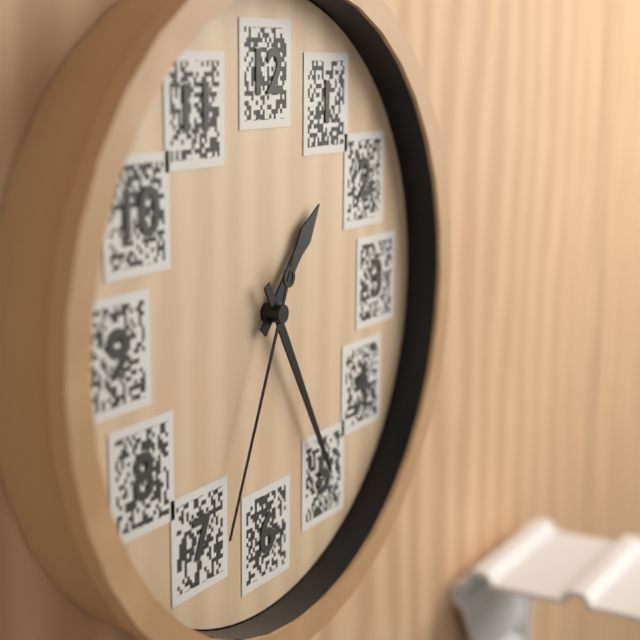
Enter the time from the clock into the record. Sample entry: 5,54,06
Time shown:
1,25,34
